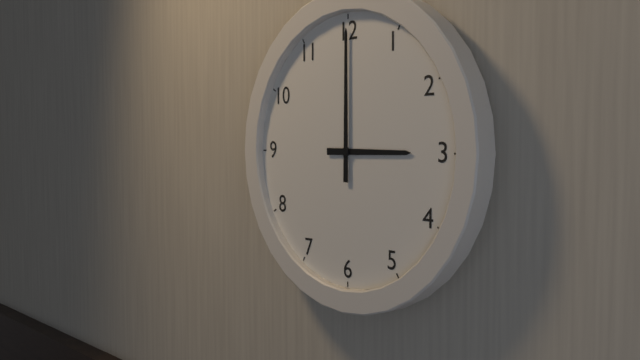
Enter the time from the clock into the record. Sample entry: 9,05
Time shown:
3,00
